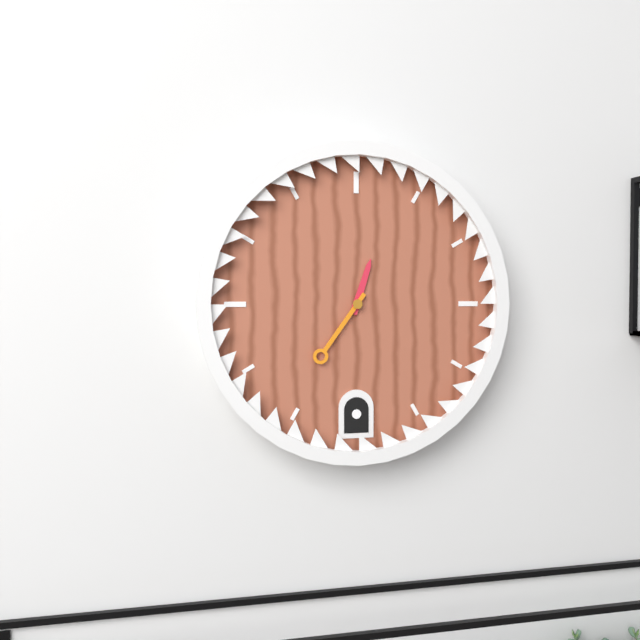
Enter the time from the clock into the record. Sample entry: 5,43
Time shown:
12,36
